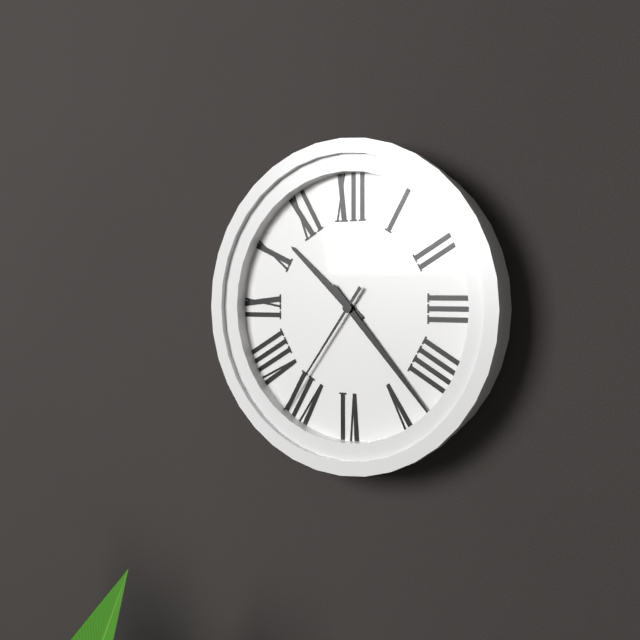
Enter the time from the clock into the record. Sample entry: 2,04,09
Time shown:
10,23,36
